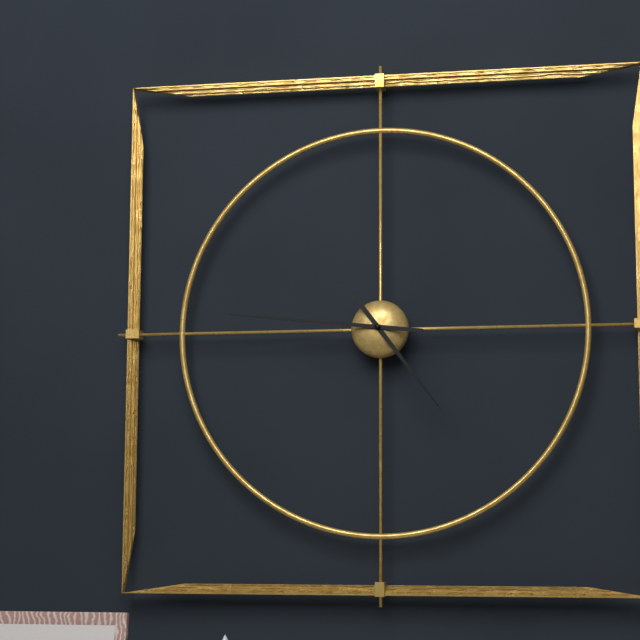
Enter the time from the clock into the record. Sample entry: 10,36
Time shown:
4,46
